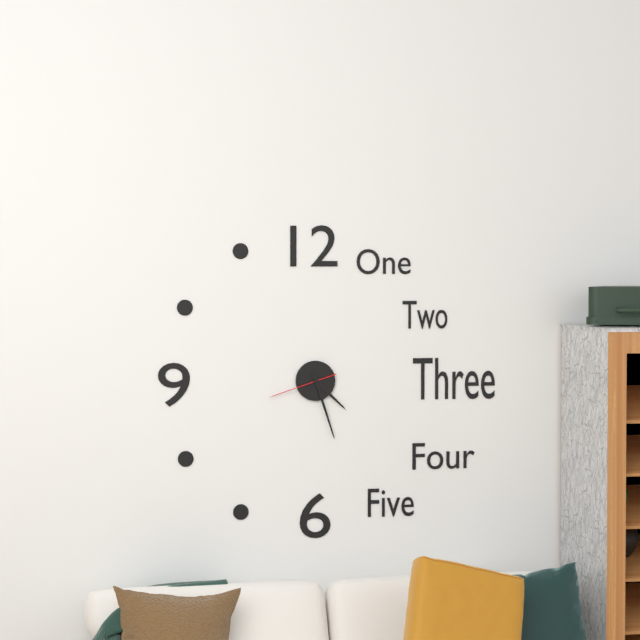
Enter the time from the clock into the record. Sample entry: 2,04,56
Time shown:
4,27,42
